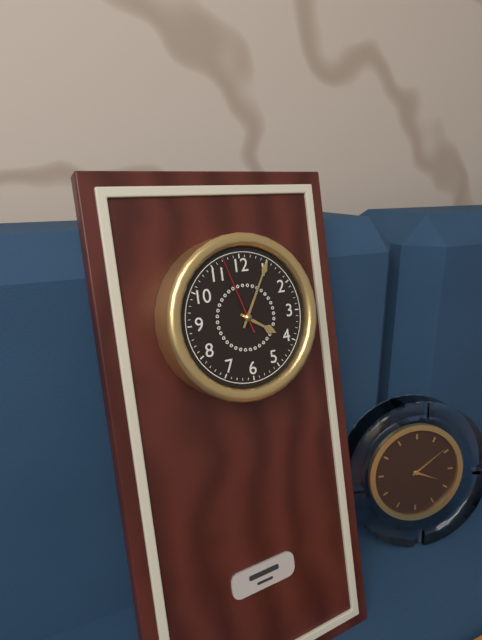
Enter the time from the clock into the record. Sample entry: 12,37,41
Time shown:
4,05,57
